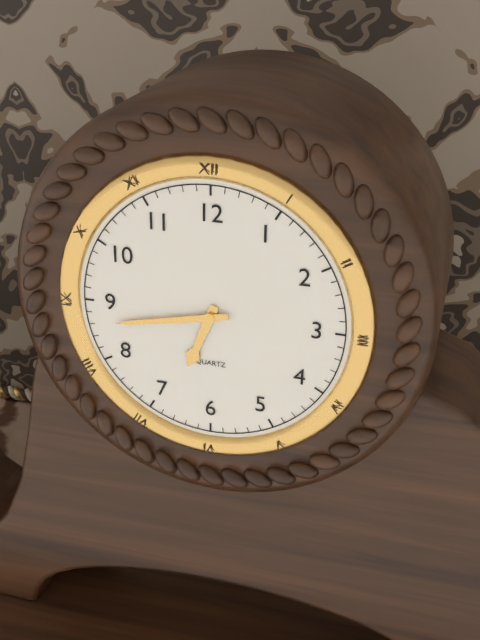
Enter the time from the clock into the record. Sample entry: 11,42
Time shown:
6,43
